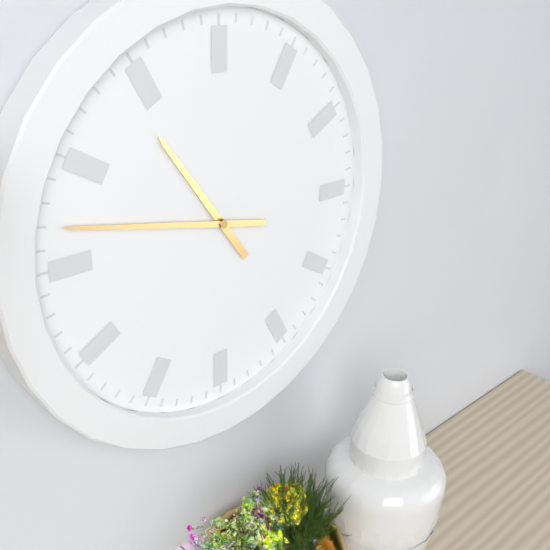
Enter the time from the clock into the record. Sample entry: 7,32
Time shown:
10,47
